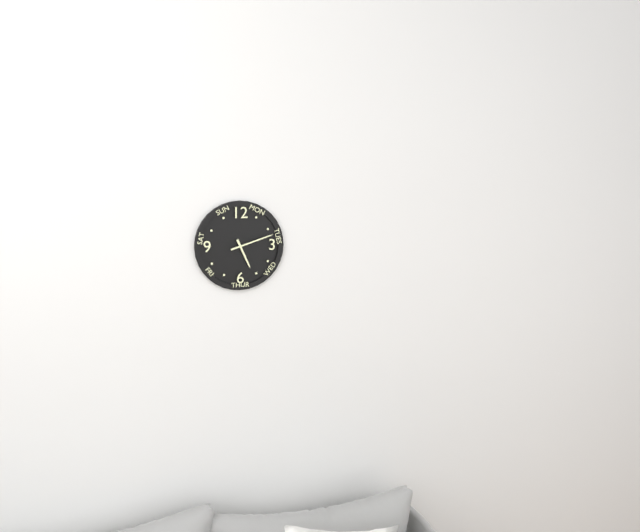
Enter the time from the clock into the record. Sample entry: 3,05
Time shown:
5,12
